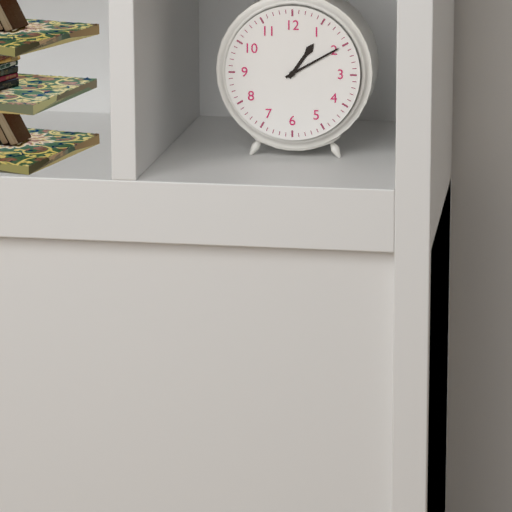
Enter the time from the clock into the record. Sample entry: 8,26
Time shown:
1,10
